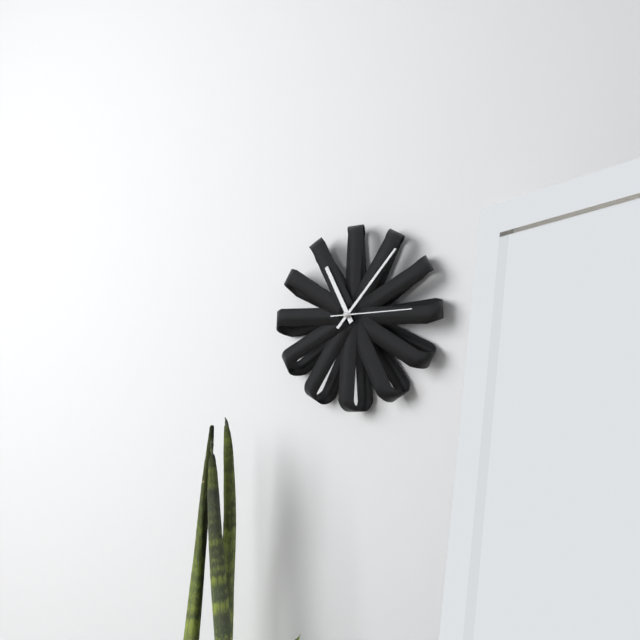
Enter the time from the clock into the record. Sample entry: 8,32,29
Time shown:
11,07,15
